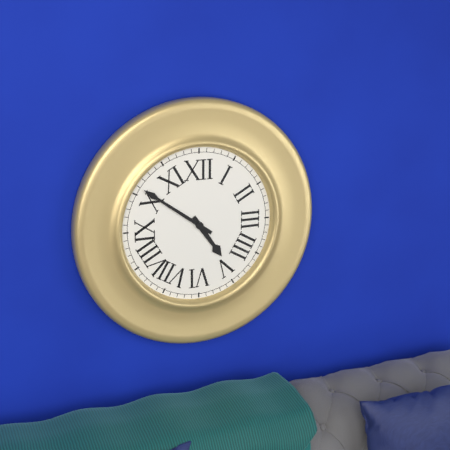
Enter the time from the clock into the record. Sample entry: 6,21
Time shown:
4,51
